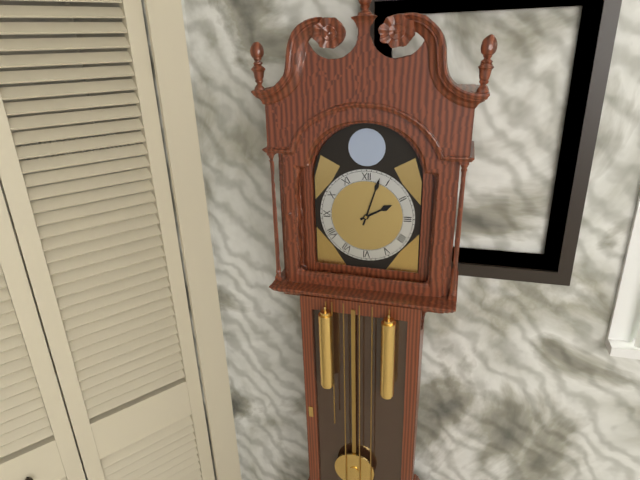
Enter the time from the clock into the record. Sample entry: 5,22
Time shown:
2,03
